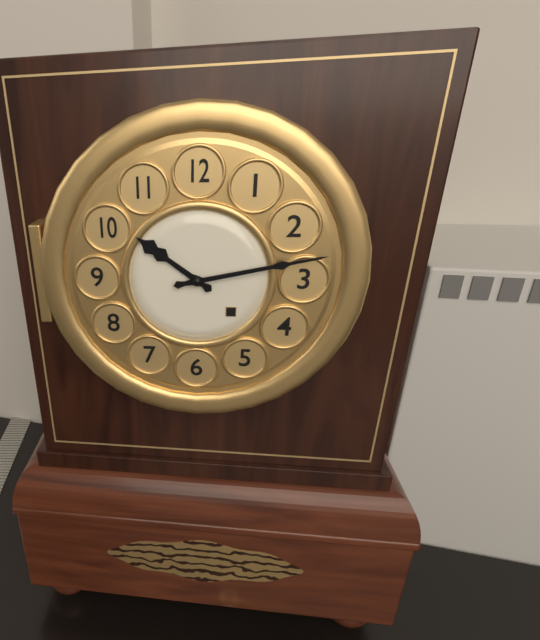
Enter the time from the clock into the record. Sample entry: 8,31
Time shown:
10,13
